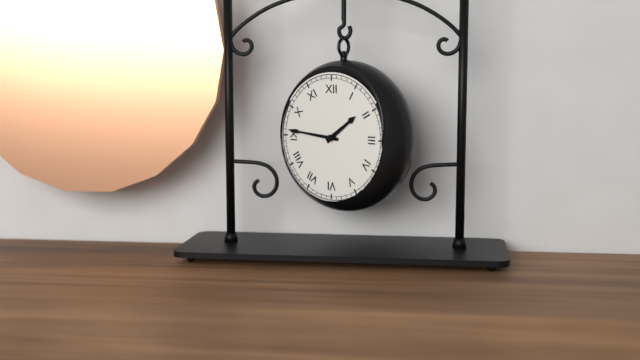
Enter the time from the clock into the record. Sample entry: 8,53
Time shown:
1,46
